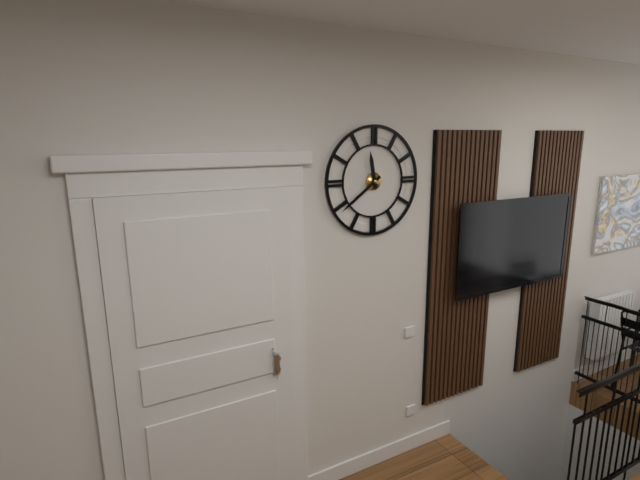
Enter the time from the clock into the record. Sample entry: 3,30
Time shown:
11,39
